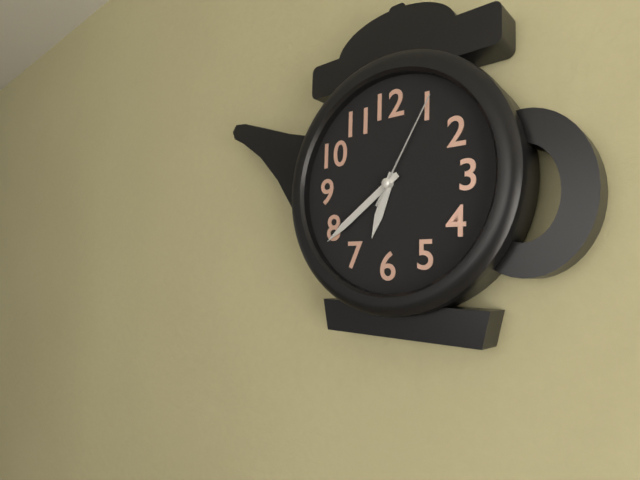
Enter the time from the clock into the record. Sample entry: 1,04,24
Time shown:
6,39,05
